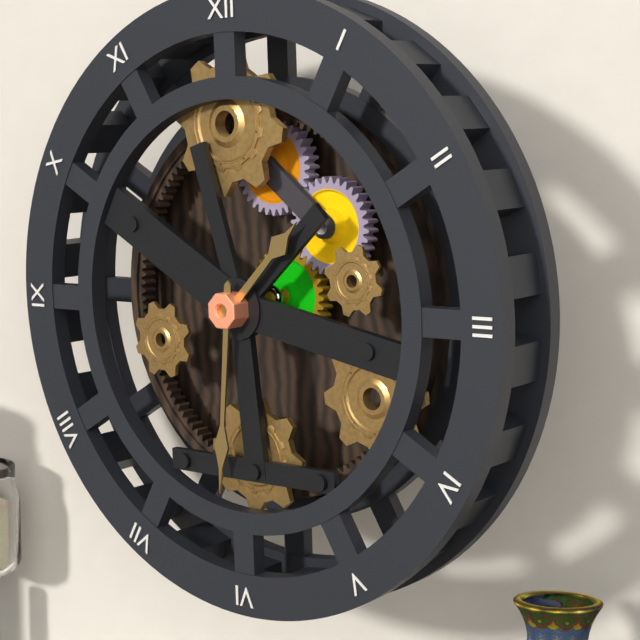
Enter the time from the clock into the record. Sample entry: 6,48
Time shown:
1,31
